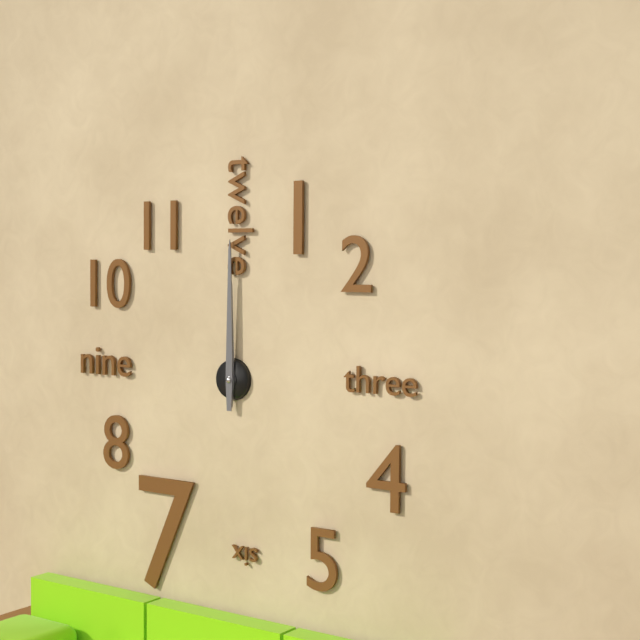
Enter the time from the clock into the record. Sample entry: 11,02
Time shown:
12,00
